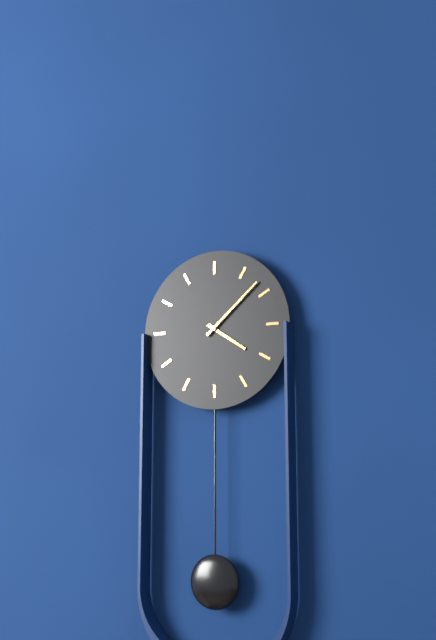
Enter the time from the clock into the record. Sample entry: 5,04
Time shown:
4,08
